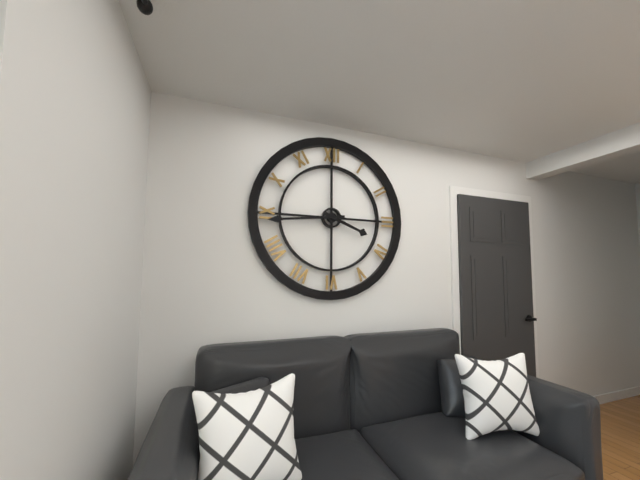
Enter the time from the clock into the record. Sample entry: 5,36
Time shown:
3,44
